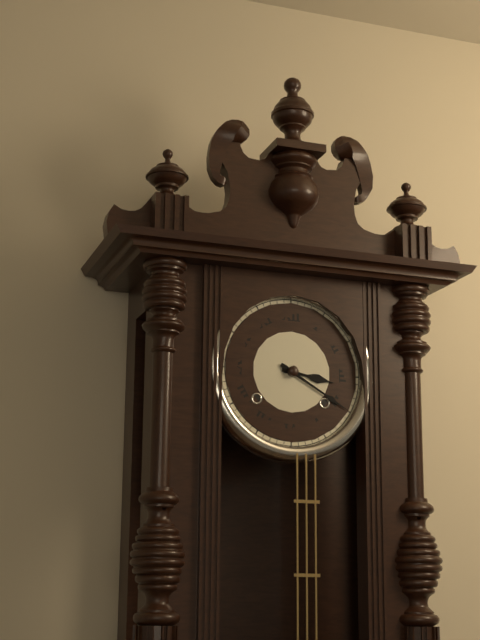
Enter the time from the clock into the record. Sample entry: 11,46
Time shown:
3,20
